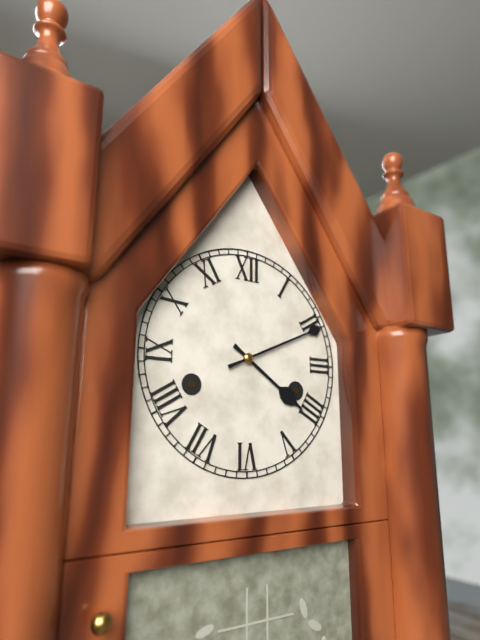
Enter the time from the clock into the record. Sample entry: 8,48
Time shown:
4,11
